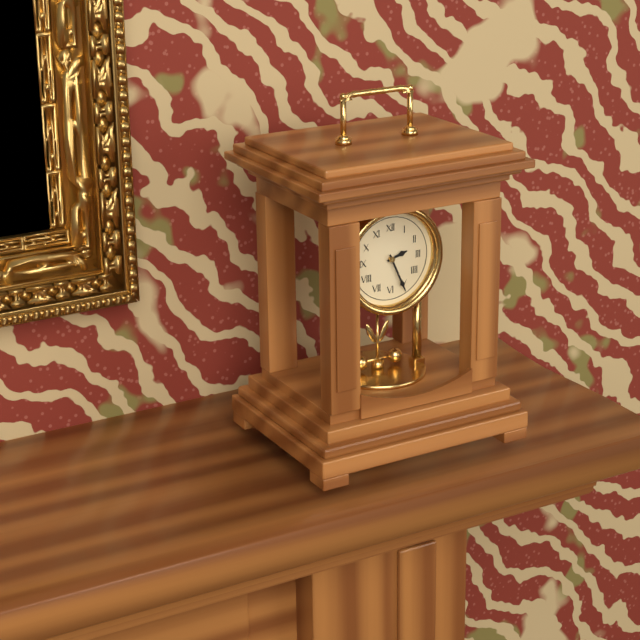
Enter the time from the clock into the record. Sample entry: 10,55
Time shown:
2,26
